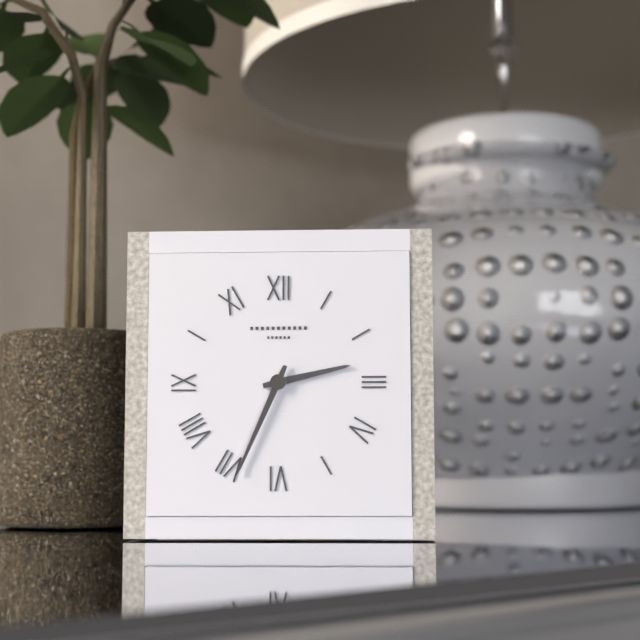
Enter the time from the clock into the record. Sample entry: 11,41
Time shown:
2,34
